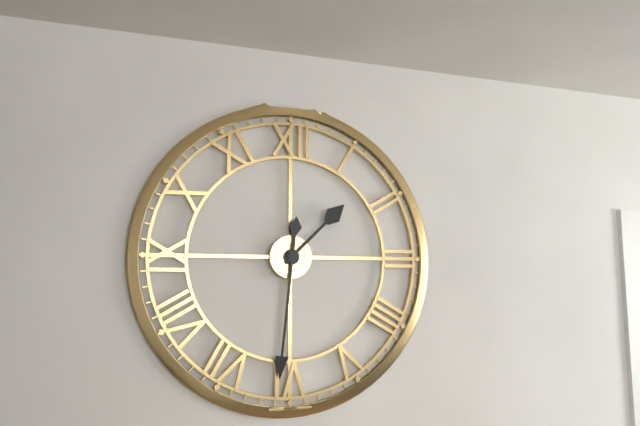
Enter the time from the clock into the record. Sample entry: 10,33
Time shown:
1,31
